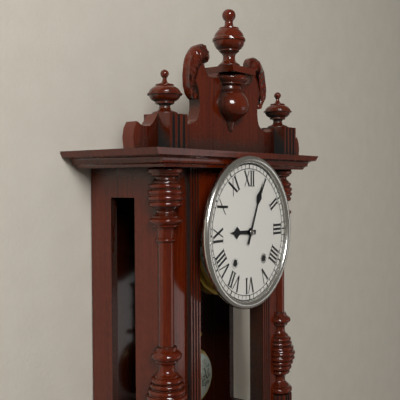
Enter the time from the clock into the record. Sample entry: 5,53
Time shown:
9,04
